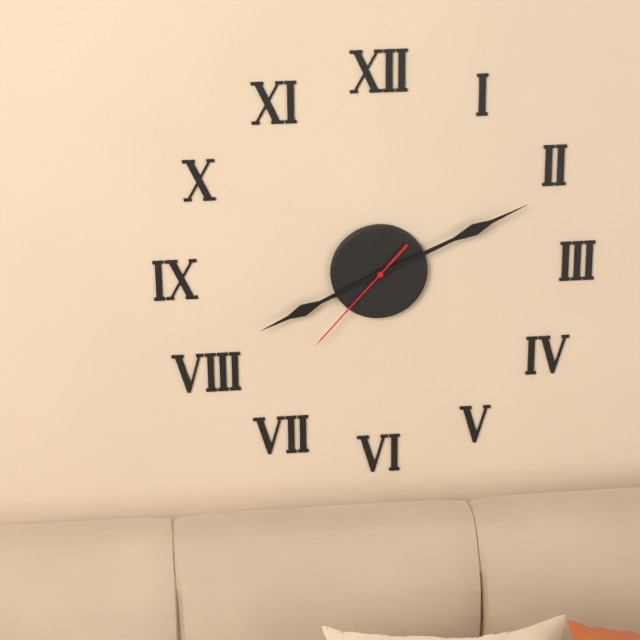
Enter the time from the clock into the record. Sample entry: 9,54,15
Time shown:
8,11,37
